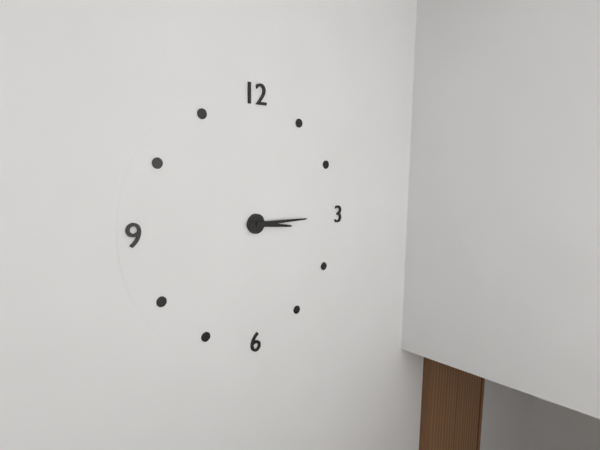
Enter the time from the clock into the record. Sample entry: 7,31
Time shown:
3,15
